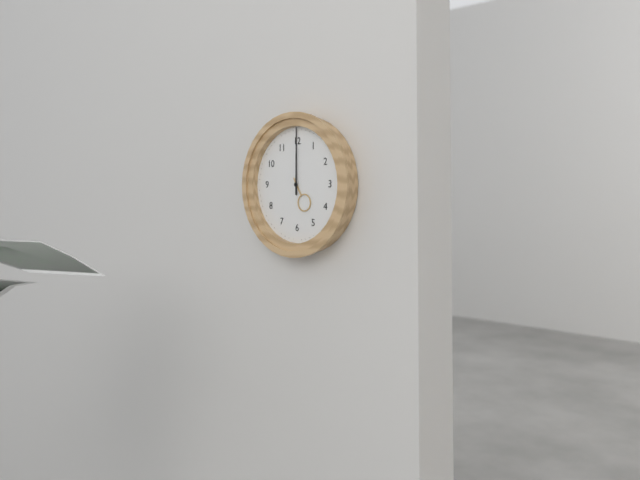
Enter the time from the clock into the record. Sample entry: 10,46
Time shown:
5,00
